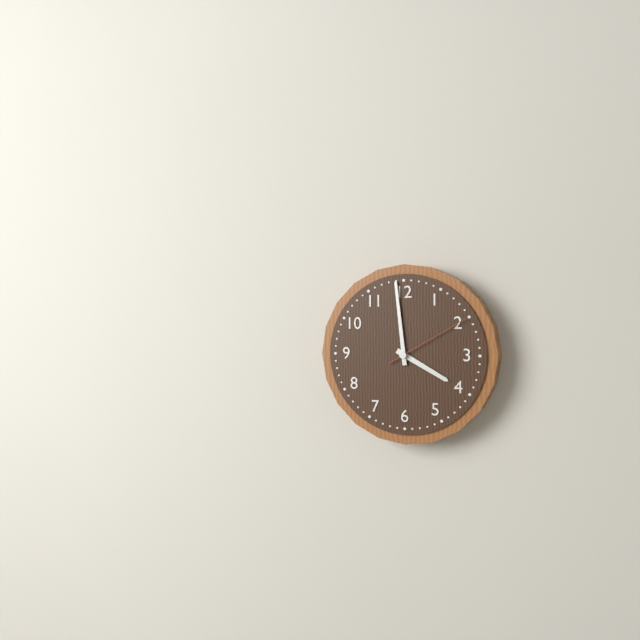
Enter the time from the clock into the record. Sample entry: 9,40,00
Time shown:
3,59,10
